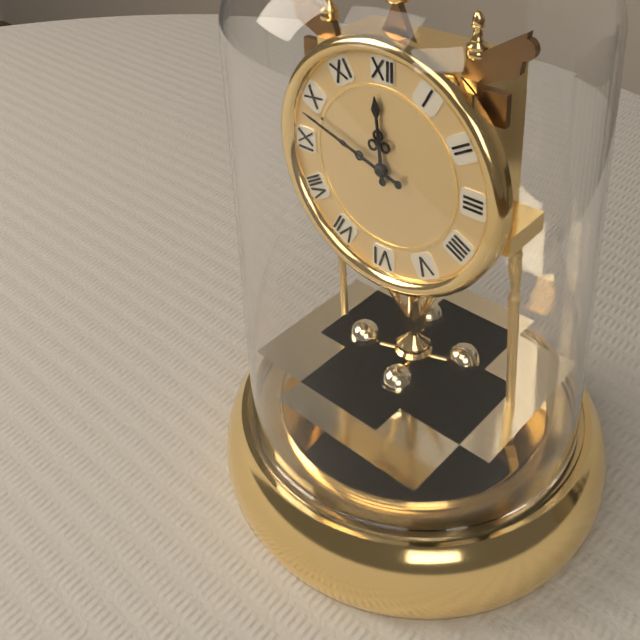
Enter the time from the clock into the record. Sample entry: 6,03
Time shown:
11,48
